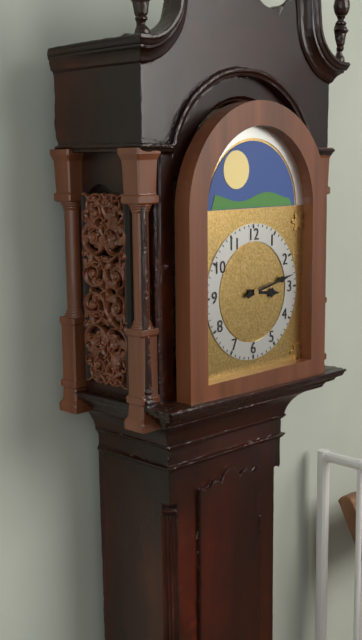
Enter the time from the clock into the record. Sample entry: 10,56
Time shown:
3,13
